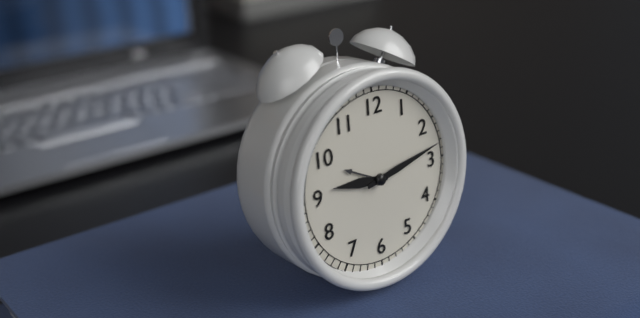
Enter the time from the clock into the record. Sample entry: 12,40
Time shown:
9,13
